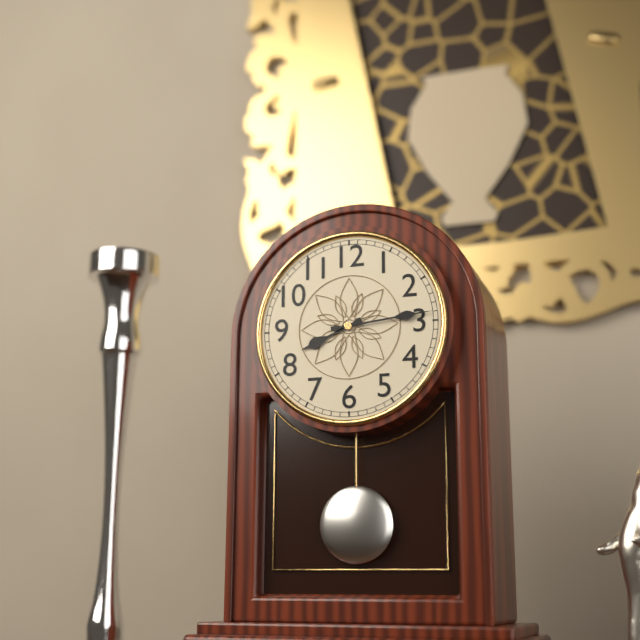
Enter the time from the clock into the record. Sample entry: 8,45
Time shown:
8,14
